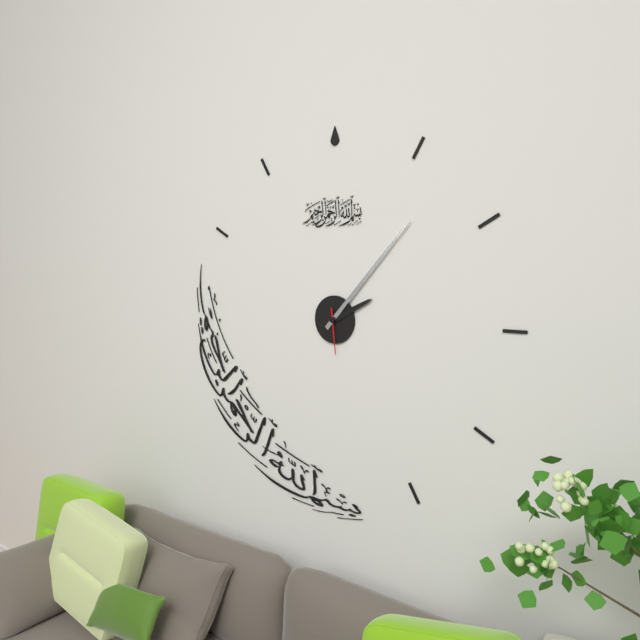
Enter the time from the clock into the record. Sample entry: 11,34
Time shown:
2,07
